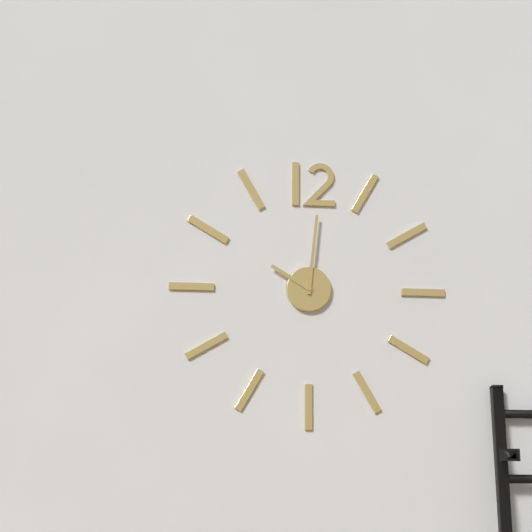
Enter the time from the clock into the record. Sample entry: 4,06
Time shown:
10,01
